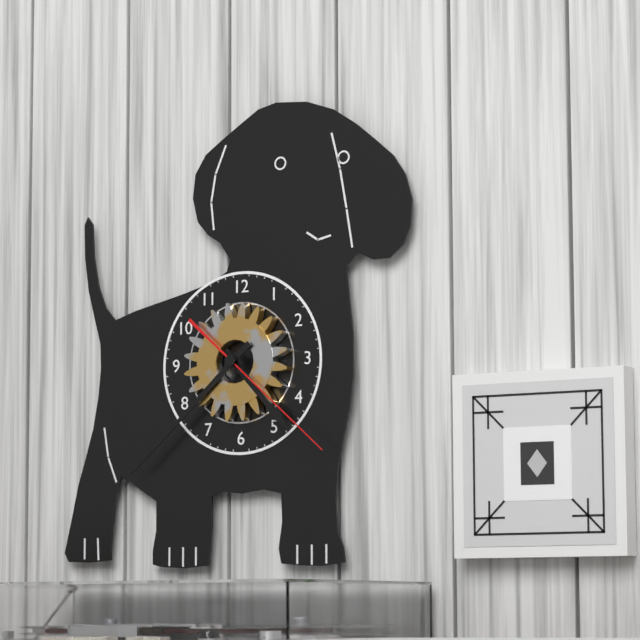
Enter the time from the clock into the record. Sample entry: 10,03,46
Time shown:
4,38,22
